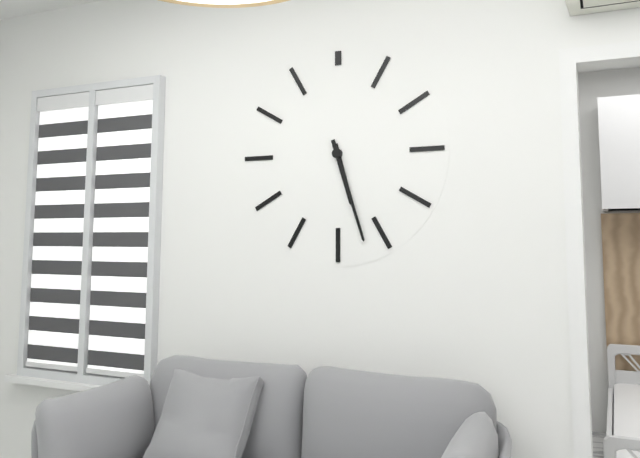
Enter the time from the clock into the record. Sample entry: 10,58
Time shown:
5,27
